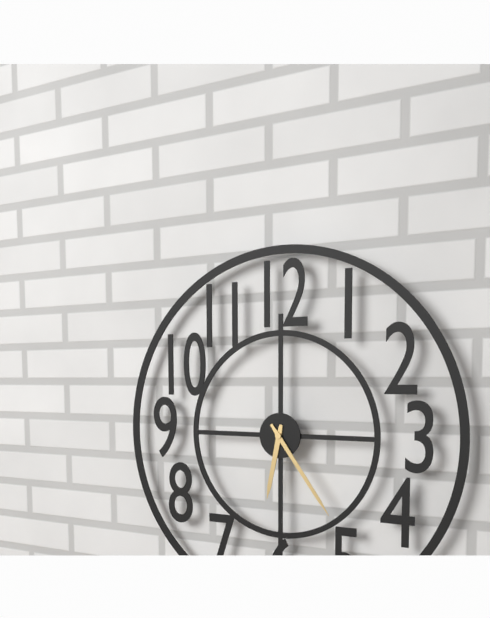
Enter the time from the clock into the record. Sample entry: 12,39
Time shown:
6,24
